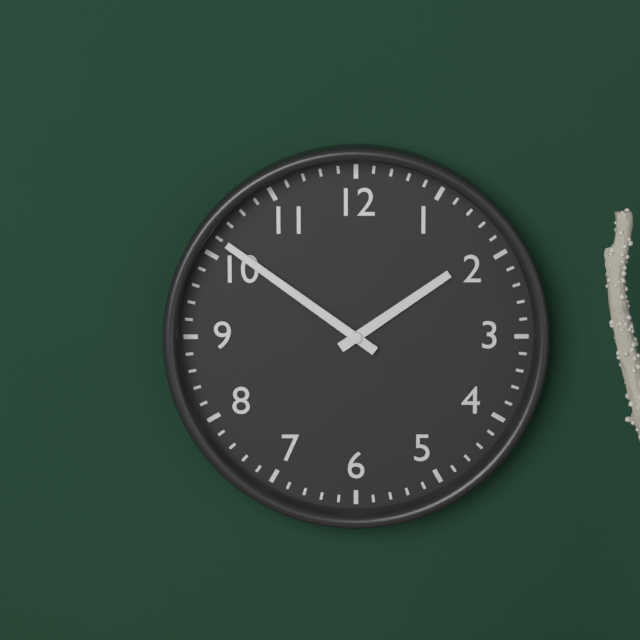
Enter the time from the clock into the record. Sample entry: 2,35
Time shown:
1,51
